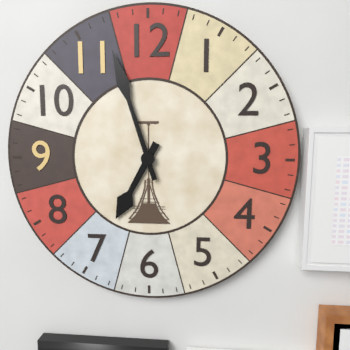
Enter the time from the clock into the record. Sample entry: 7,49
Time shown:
6,57
